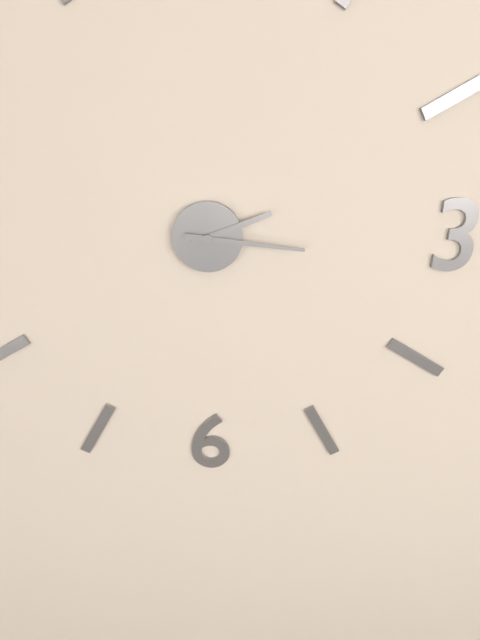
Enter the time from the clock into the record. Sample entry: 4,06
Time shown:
2,16
